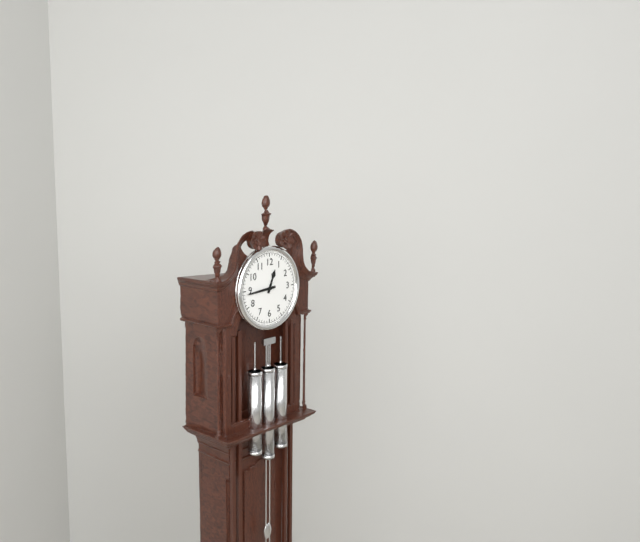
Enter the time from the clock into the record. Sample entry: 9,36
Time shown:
12,44
